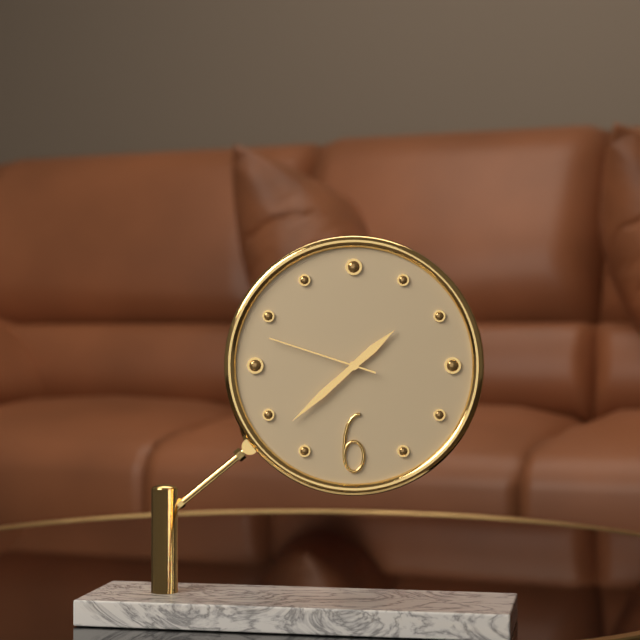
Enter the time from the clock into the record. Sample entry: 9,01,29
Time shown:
1,38,48
